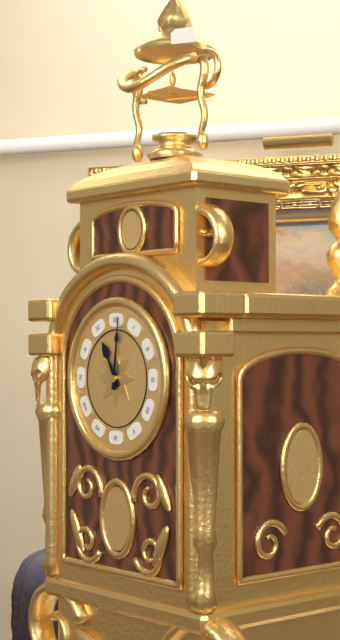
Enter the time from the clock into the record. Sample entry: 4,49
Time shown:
11,01
